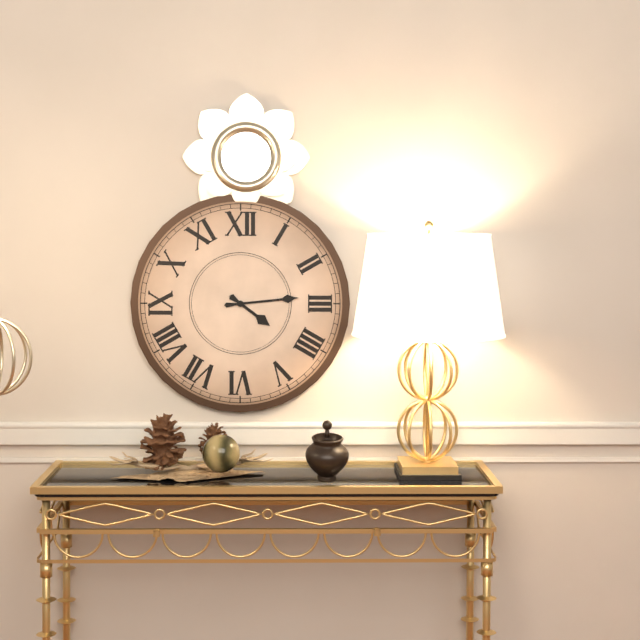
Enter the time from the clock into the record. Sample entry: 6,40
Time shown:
4,14
